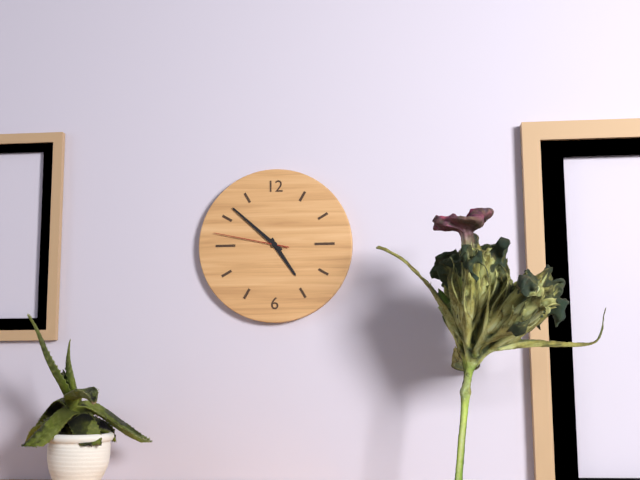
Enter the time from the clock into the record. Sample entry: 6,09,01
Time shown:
4,52,47
